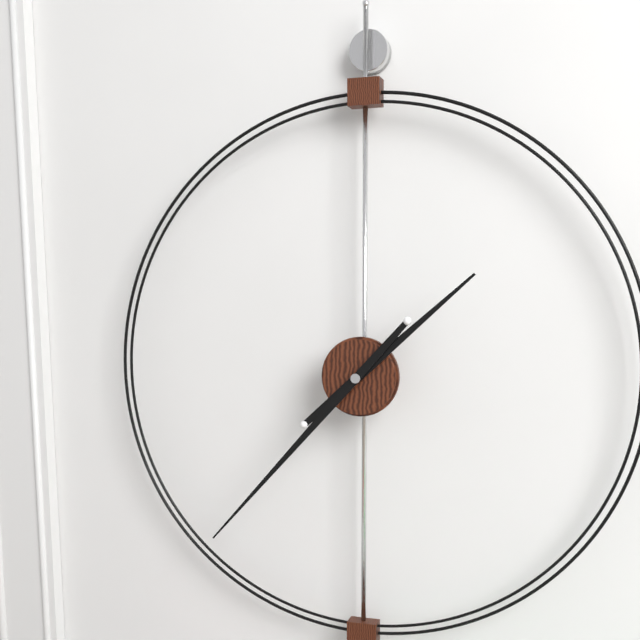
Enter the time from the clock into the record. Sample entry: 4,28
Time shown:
1,37
